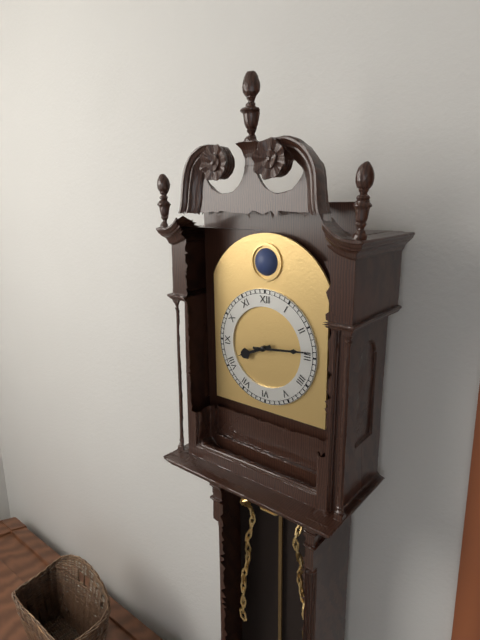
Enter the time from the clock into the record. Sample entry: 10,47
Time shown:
8,14
